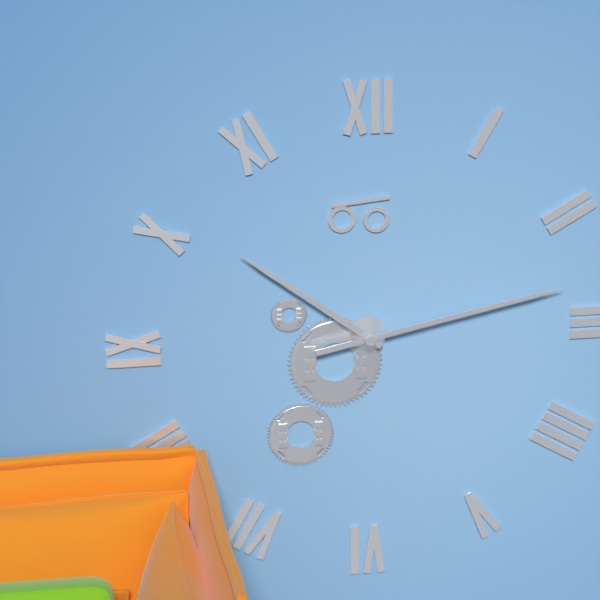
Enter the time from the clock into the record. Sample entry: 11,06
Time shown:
10,13
